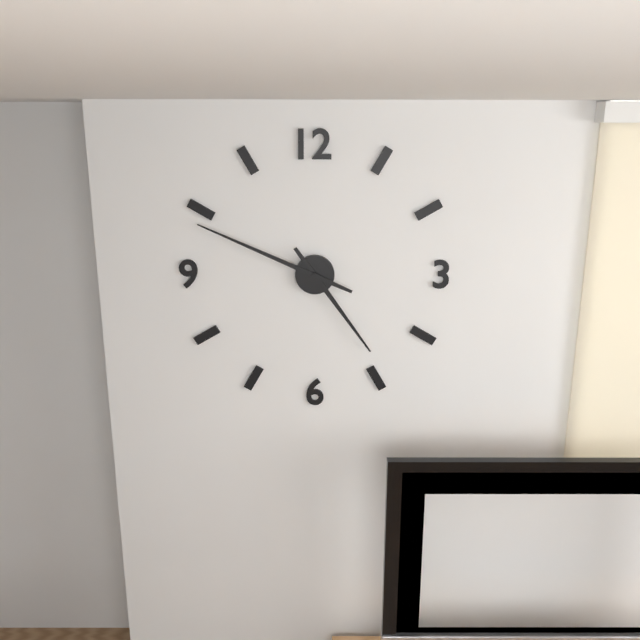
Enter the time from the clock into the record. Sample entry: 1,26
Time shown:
4,49
